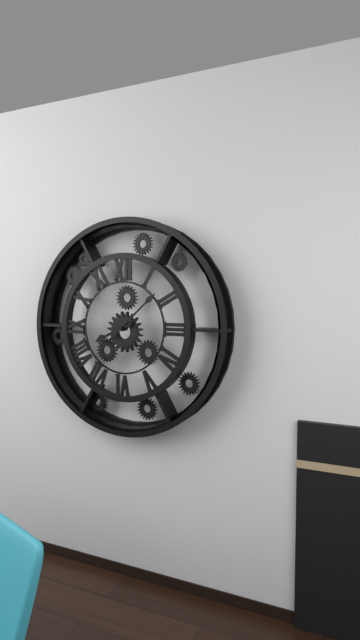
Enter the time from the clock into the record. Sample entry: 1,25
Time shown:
8,08
